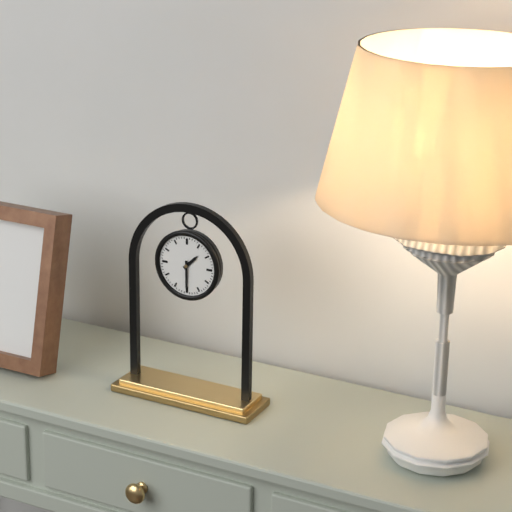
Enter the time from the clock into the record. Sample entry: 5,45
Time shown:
1,30
